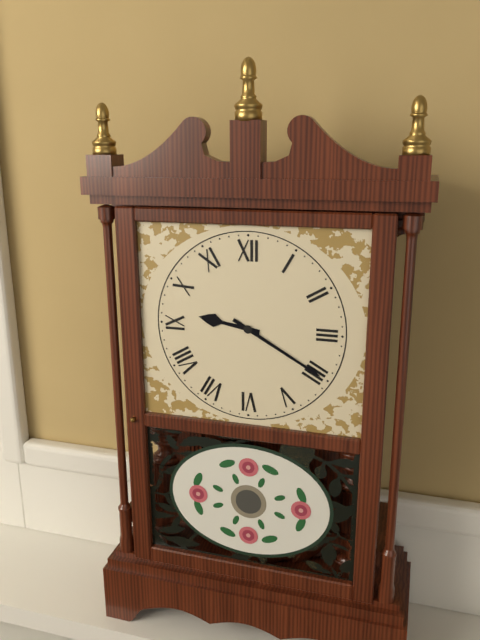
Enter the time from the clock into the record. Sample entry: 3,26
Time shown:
9,20
